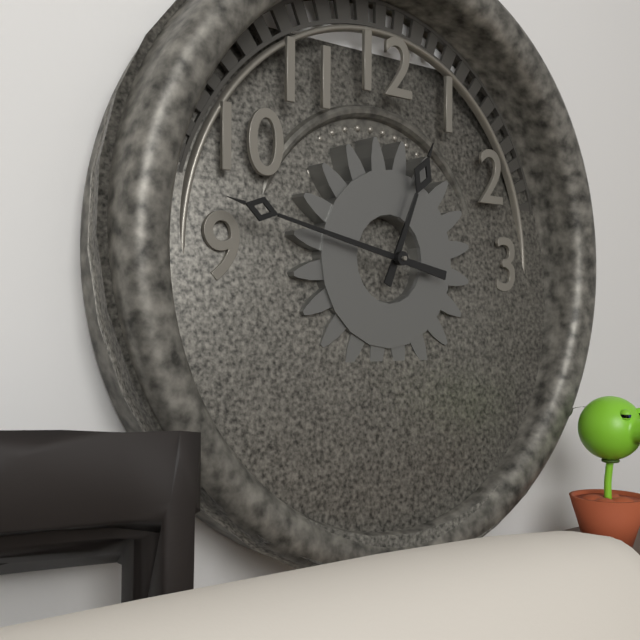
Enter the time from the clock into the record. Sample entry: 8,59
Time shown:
12,47
